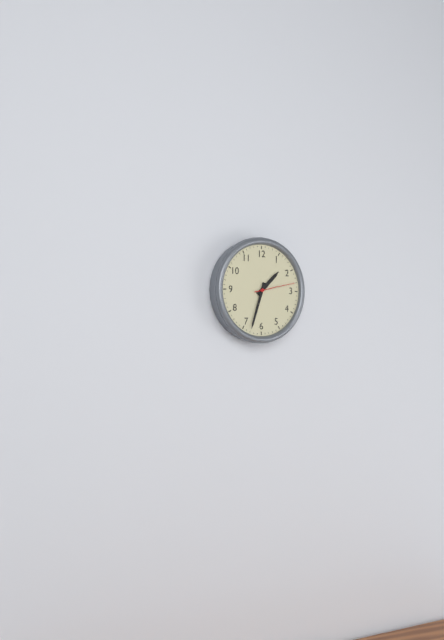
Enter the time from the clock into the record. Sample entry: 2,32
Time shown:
1,33
